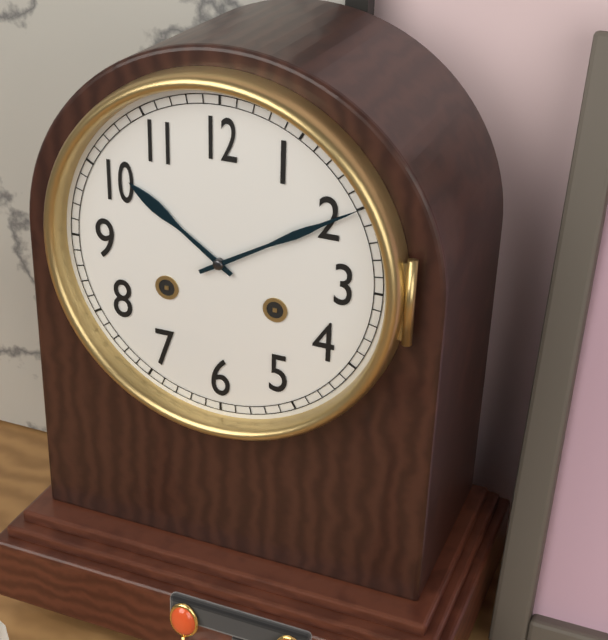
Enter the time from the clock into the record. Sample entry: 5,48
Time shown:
10,10
